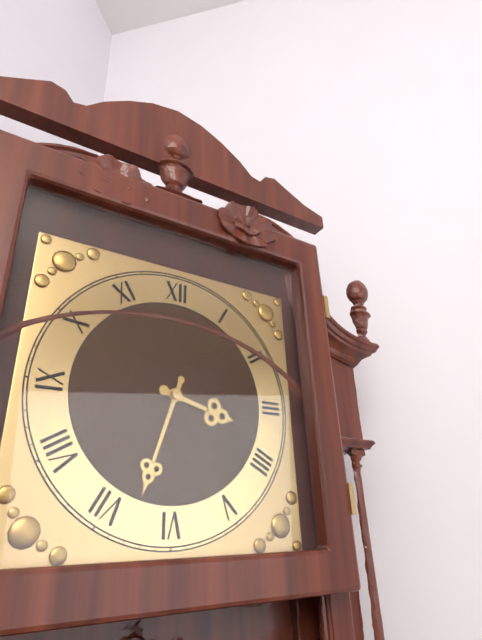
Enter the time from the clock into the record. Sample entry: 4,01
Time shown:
3,33
